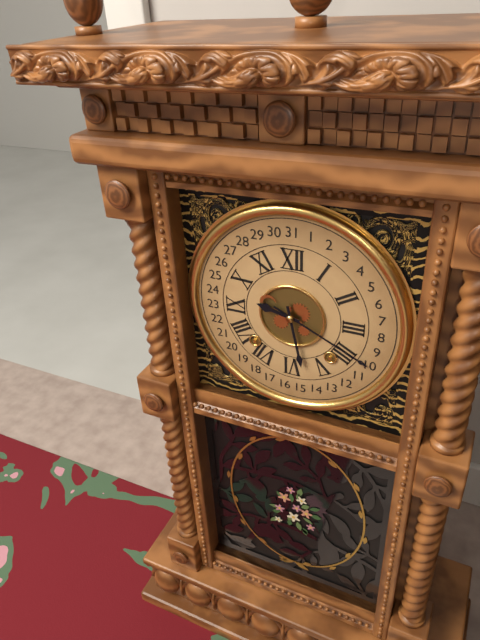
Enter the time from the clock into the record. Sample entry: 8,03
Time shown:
9,28
